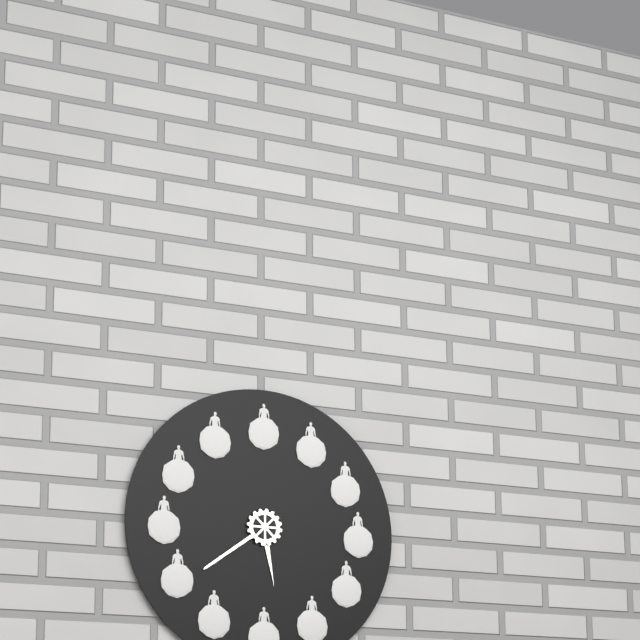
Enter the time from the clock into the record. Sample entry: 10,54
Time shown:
5,39
